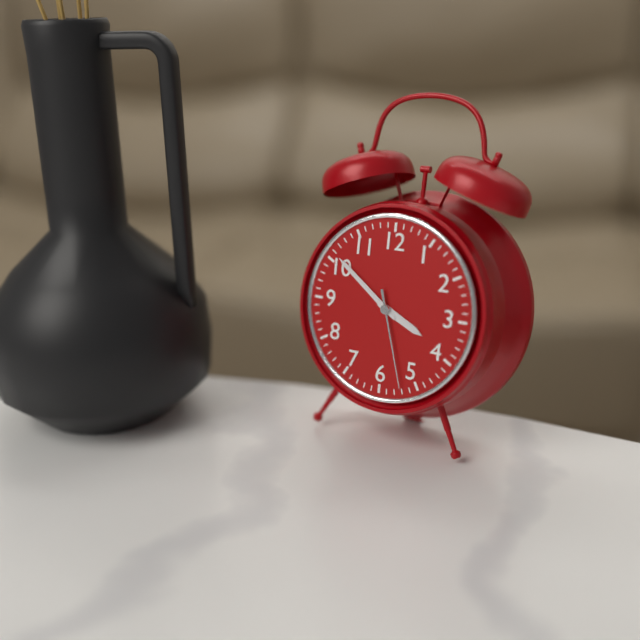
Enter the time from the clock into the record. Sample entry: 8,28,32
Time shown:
3,51,27
